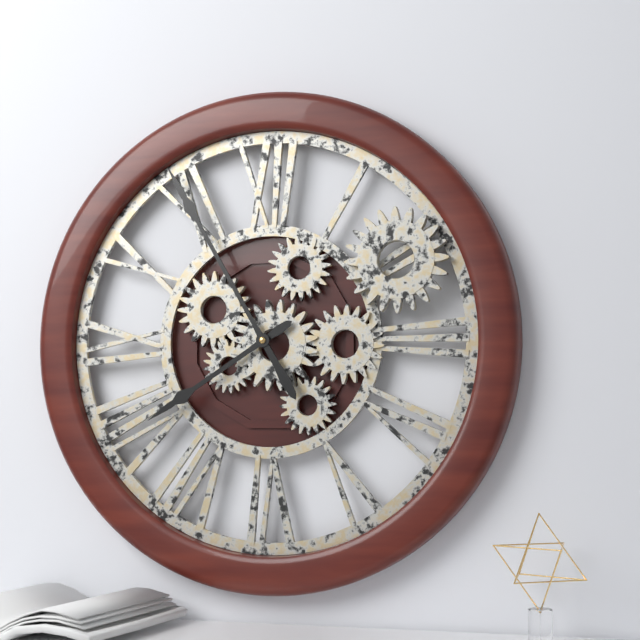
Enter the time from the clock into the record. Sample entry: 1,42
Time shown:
7,55
